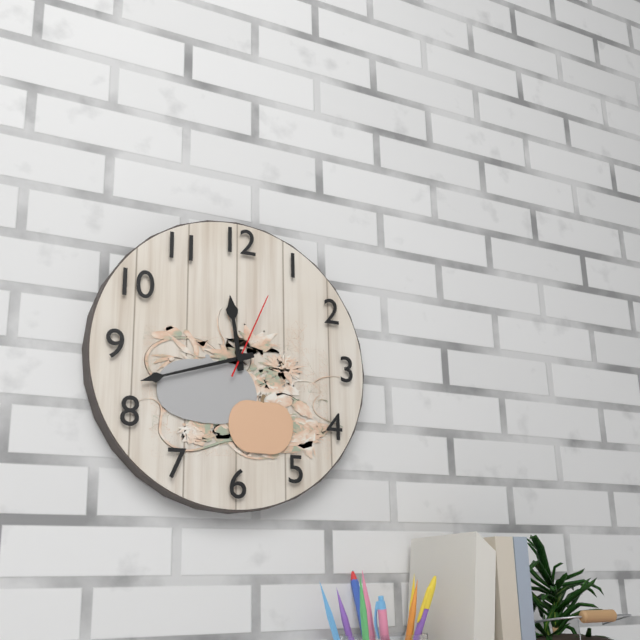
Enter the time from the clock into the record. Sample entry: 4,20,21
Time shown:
11,42,04
